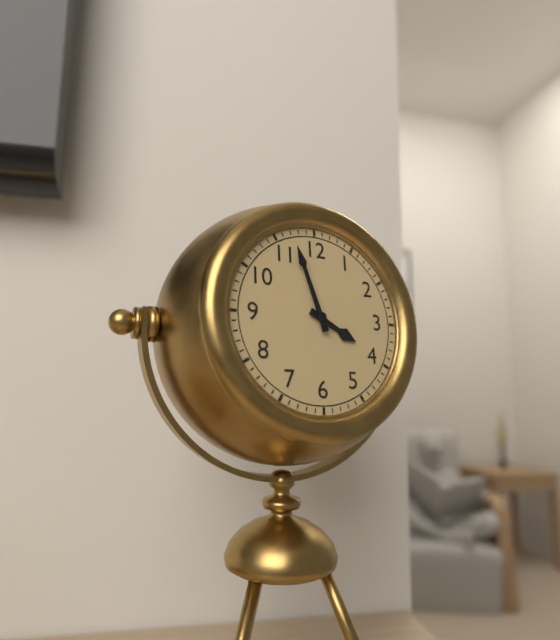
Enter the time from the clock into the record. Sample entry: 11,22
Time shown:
3,57
